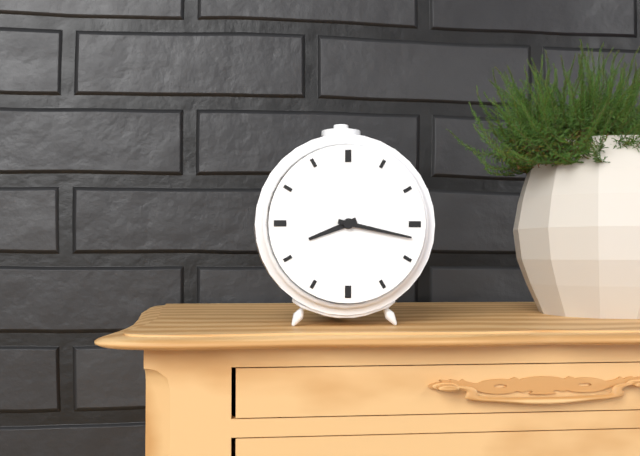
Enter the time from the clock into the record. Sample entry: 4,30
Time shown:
8,17
